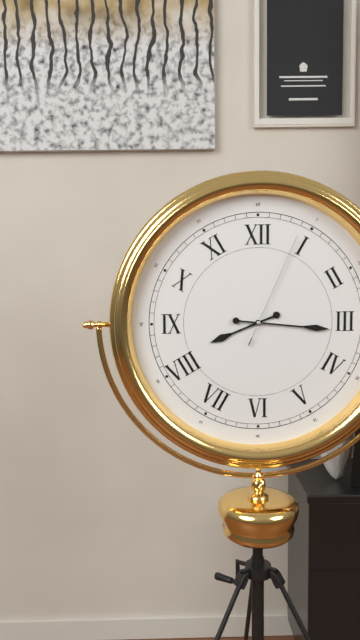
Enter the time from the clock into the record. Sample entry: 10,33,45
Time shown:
8,16,04
